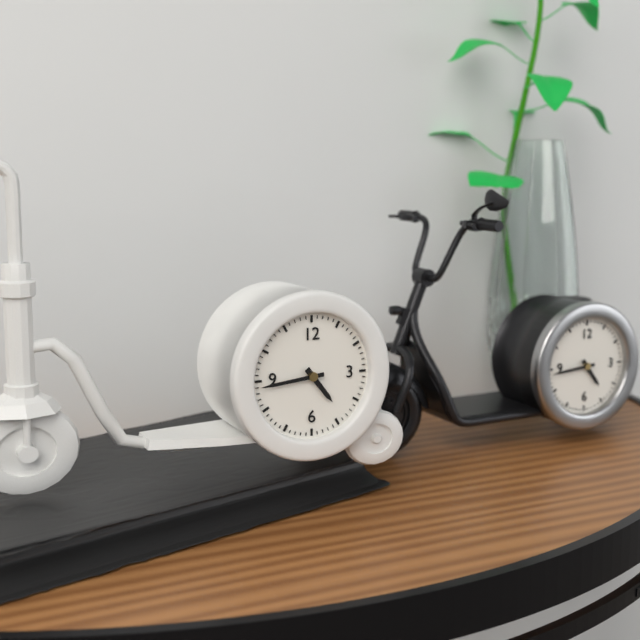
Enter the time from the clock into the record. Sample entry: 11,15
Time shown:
4,44
